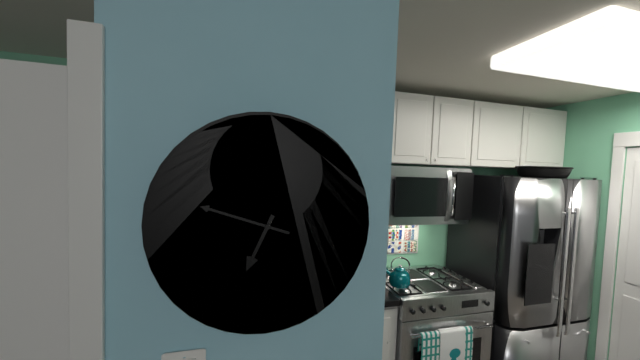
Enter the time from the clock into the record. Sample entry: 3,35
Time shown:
6,48
